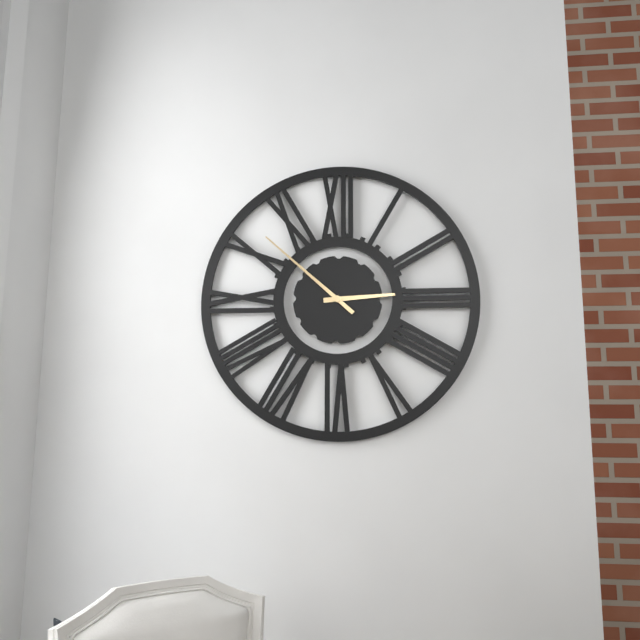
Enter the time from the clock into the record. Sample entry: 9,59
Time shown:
2,52
